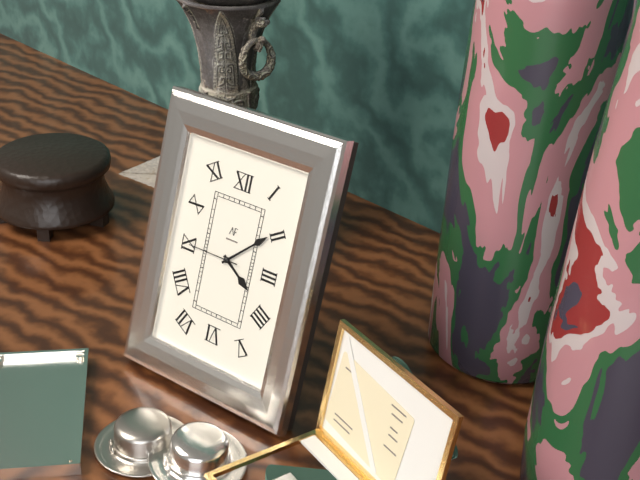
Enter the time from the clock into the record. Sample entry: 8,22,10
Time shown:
4,08,45
